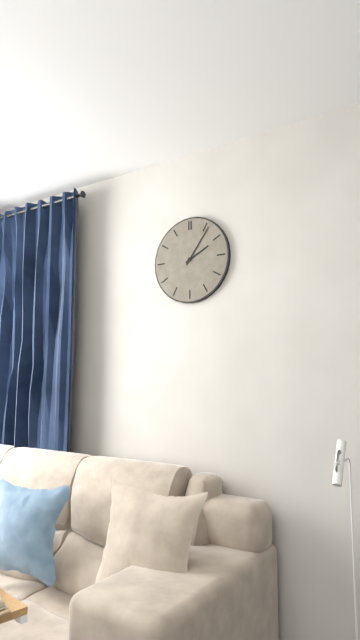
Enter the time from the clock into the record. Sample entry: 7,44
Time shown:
2,06
